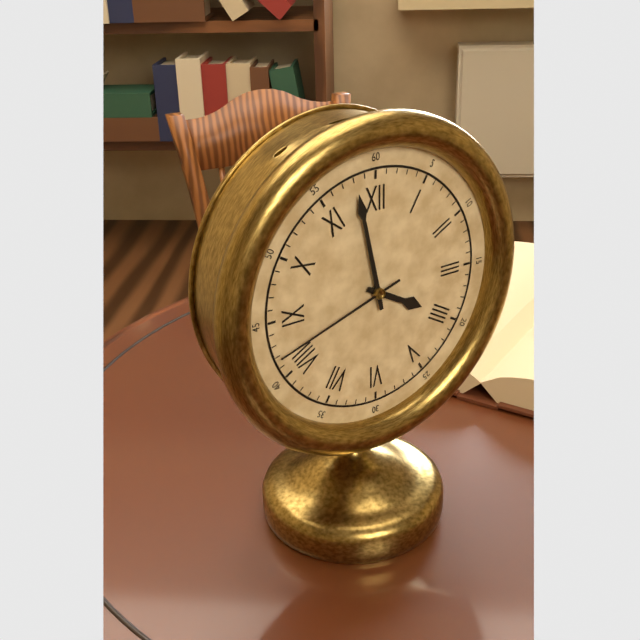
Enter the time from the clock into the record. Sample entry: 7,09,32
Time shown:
3,58,42
